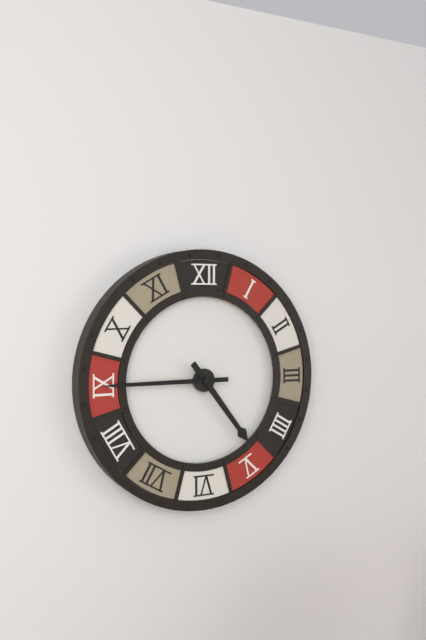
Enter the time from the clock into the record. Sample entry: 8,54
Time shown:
4,45
